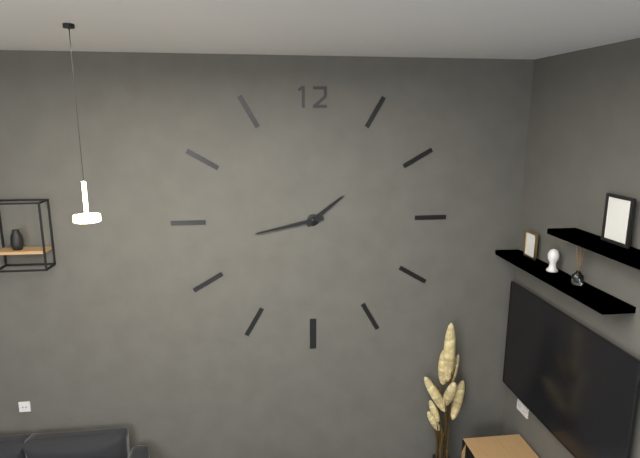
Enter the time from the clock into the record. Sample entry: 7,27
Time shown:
1,43
